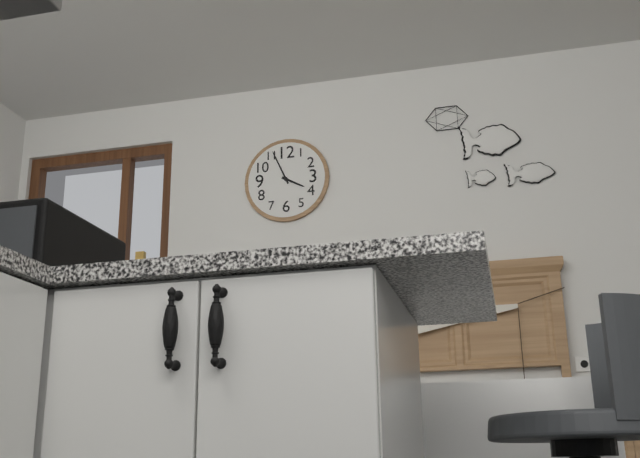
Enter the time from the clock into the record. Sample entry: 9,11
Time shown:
3,56
